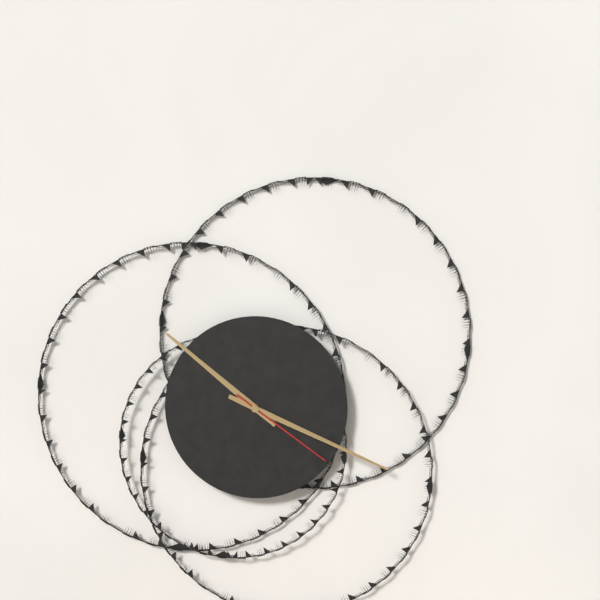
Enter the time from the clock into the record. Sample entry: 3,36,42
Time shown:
10,19,21
